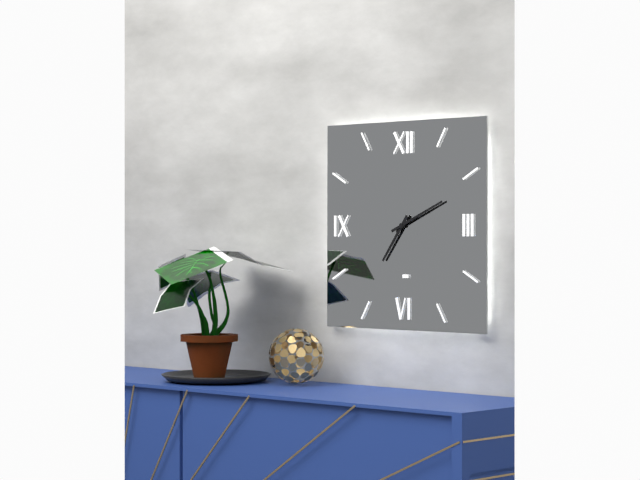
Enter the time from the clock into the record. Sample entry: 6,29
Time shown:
7,11
